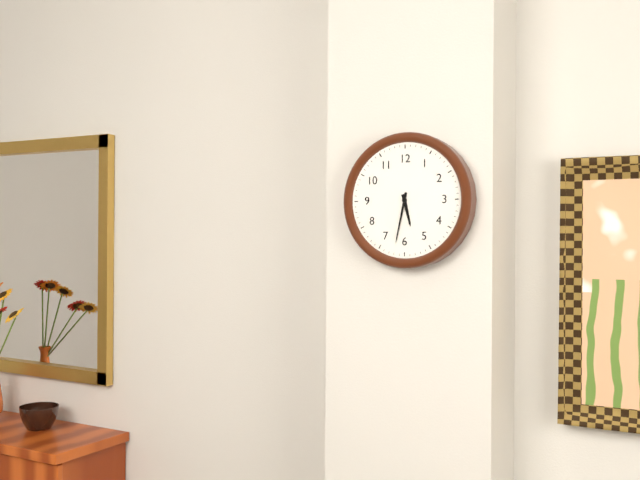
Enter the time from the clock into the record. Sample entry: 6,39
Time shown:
5,32
